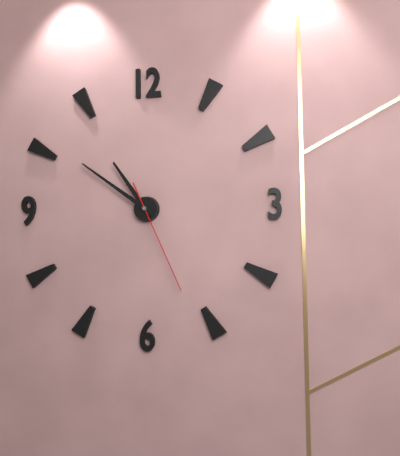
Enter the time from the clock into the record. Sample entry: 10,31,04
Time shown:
10,51,26
